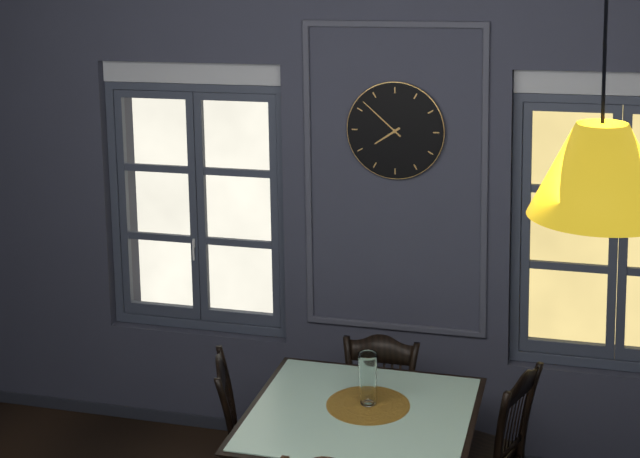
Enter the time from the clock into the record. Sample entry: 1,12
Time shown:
7,52
